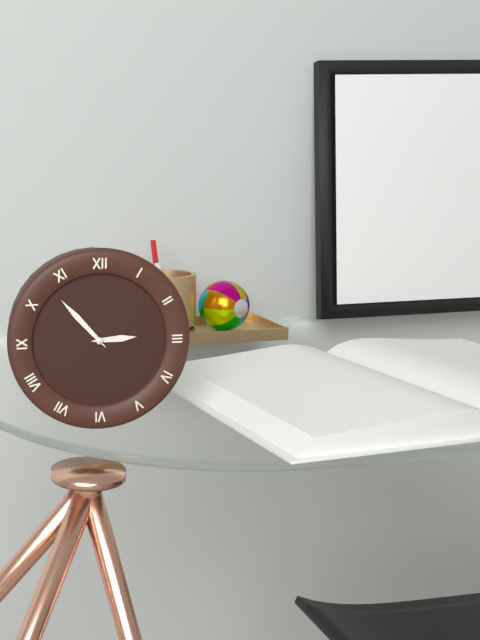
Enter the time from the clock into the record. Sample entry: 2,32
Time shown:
2,53
